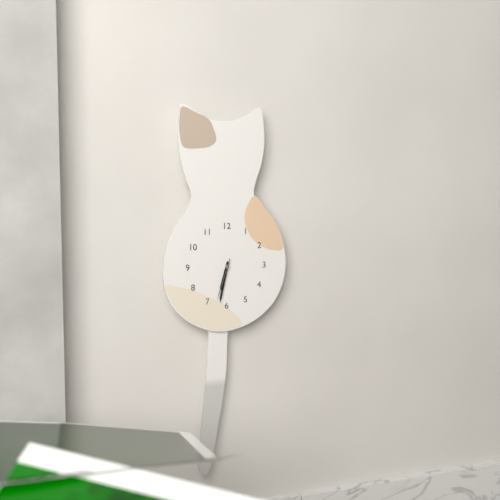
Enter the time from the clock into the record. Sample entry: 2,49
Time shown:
6,32
